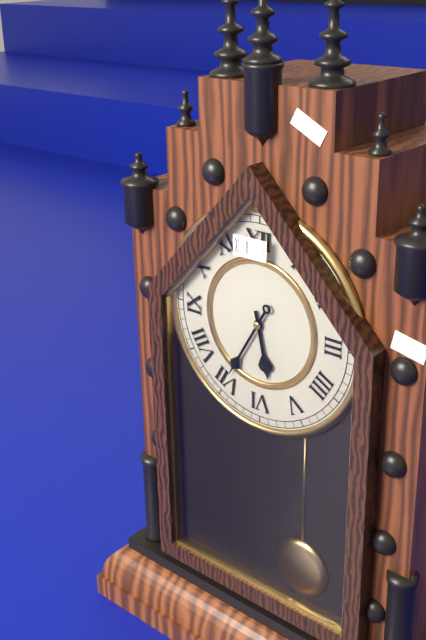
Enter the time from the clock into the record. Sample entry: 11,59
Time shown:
5,35
